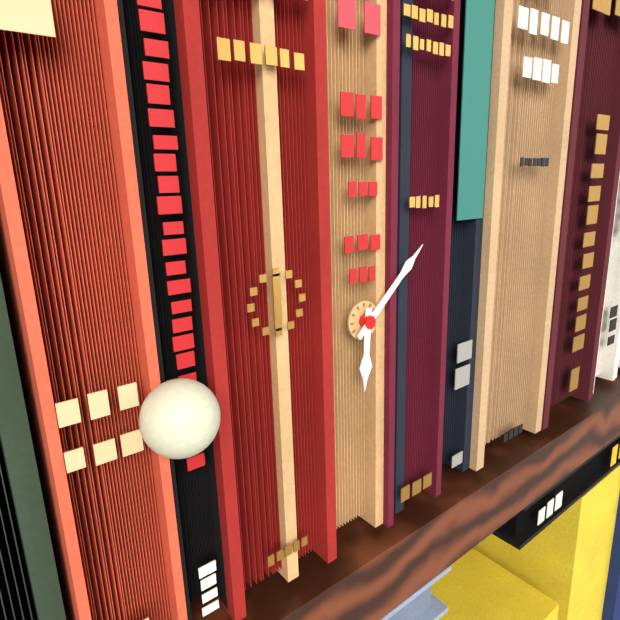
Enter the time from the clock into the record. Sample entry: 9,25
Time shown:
6,08
